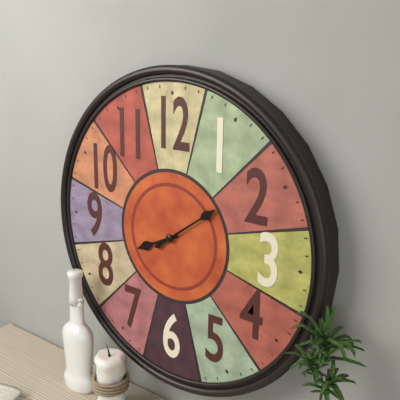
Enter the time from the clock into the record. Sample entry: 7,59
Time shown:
8,09
